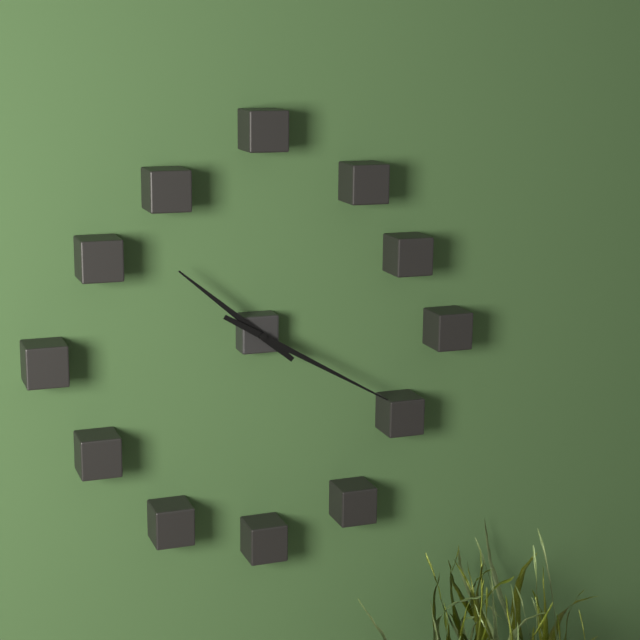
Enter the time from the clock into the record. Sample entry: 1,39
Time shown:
10,20
